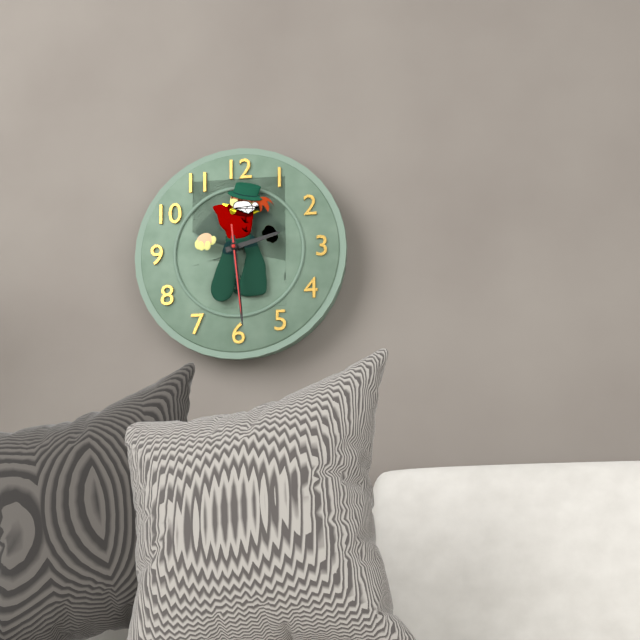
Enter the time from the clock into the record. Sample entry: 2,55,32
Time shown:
2,29,29
